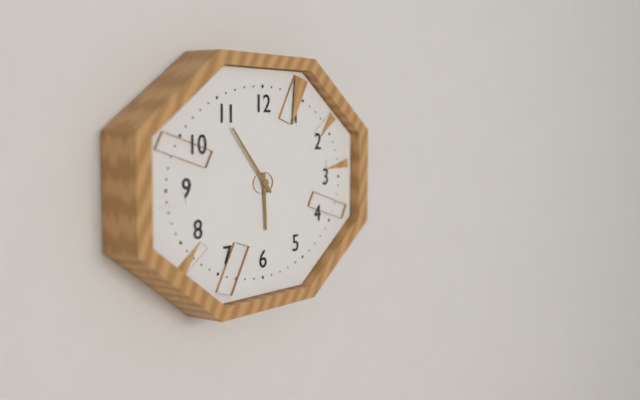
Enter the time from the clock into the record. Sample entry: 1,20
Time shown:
5,53
